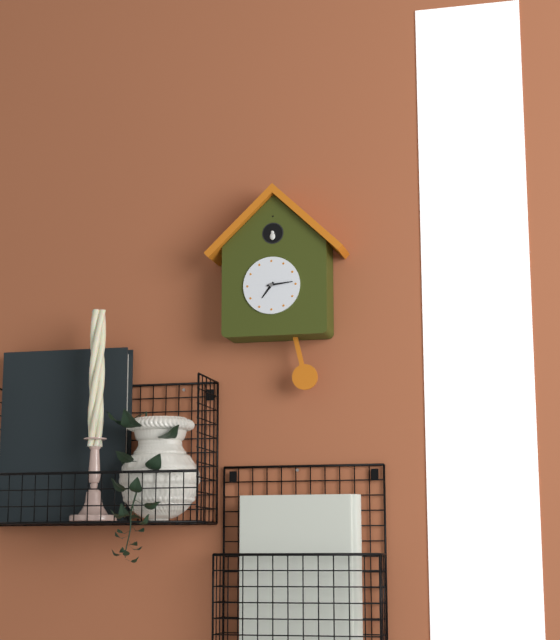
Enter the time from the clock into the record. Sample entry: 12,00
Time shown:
7,14
